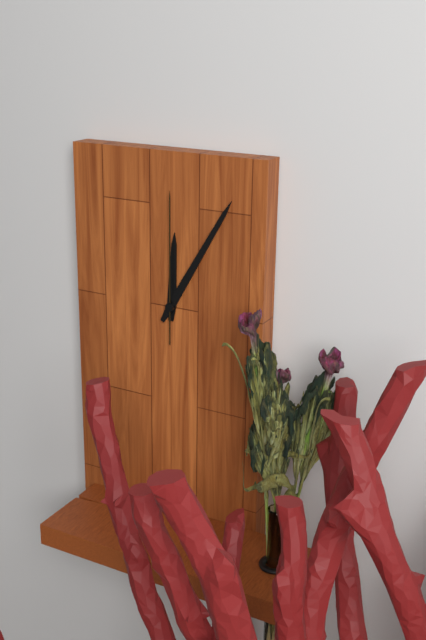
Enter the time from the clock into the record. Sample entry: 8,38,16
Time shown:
12,05,00
